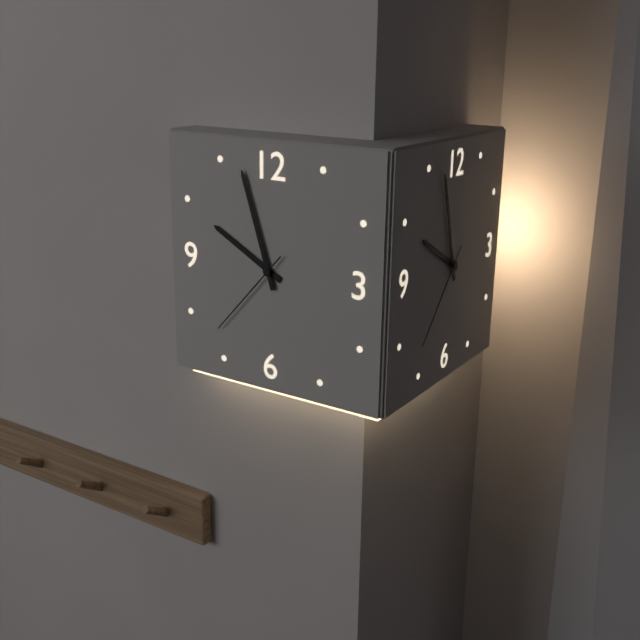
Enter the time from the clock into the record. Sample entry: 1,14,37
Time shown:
9,57,37
